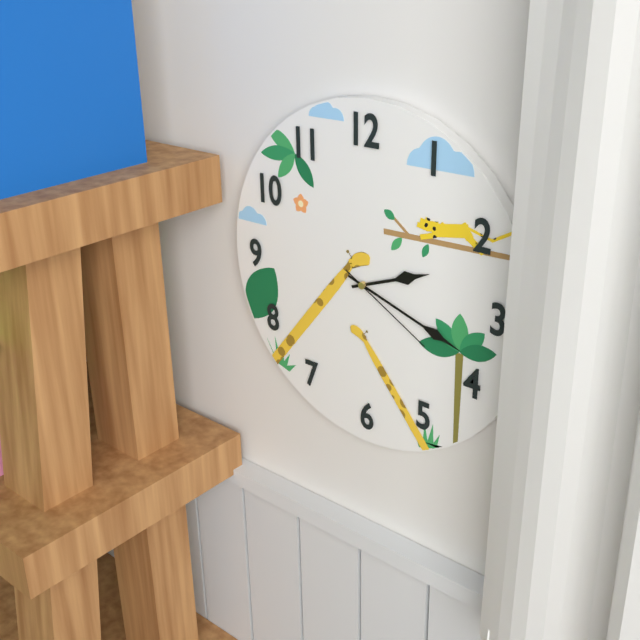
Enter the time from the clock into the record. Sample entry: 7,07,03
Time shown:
2,18,20
